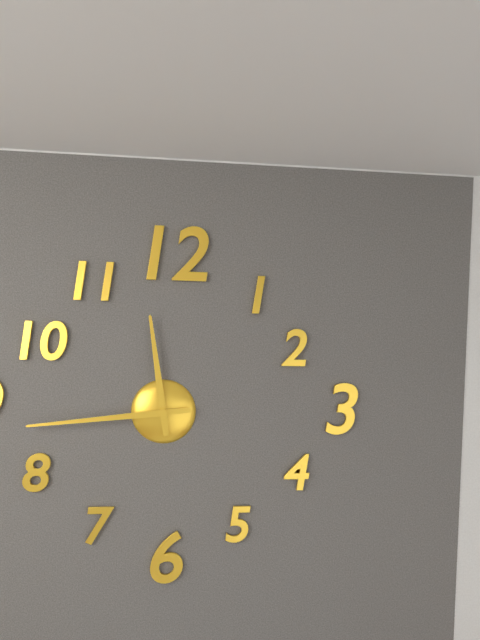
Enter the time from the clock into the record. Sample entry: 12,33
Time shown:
11,44
